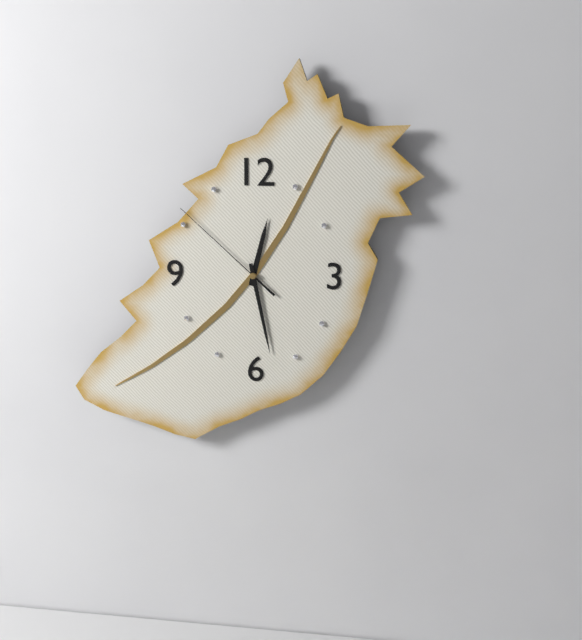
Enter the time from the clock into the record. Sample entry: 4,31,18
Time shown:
12,28,52
